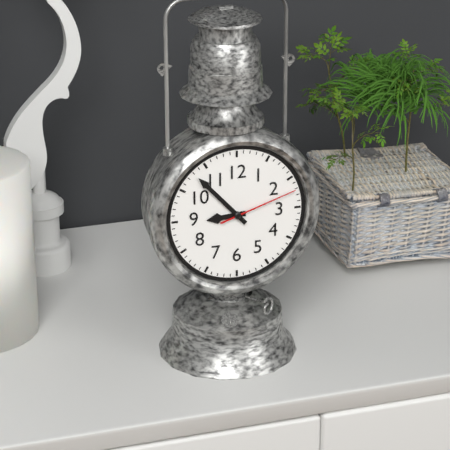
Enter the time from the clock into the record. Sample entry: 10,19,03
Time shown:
8,53,12
